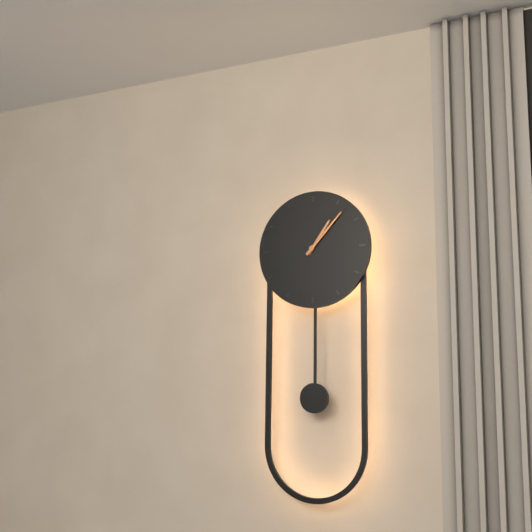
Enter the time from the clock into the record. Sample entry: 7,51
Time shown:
1,07
